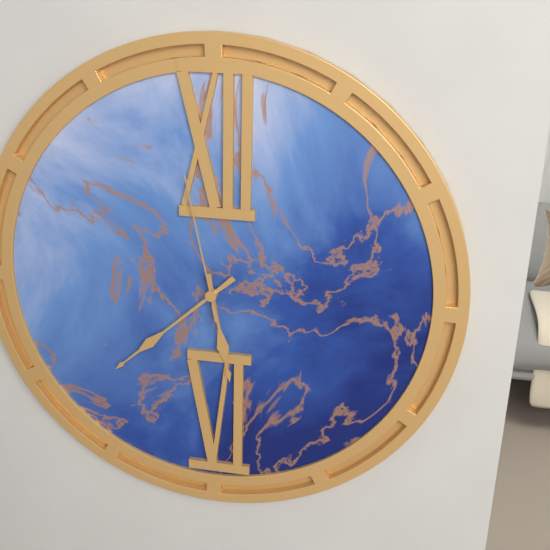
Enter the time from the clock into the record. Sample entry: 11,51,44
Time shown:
5,38,58
